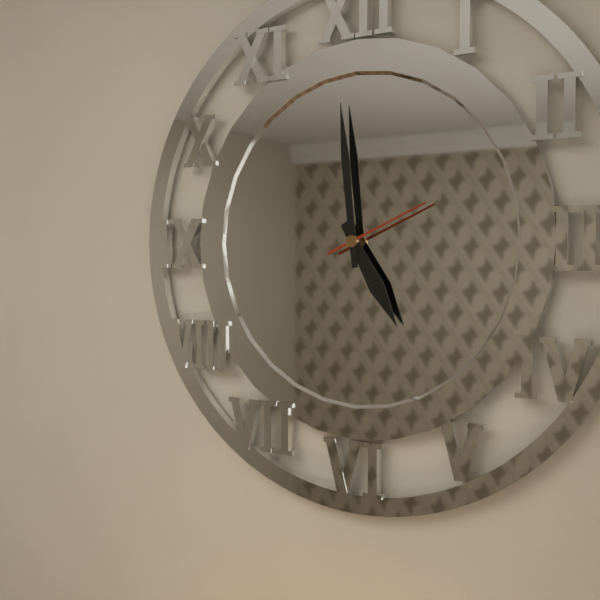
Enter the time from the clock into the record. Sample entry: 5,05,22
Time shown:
4,59,11
